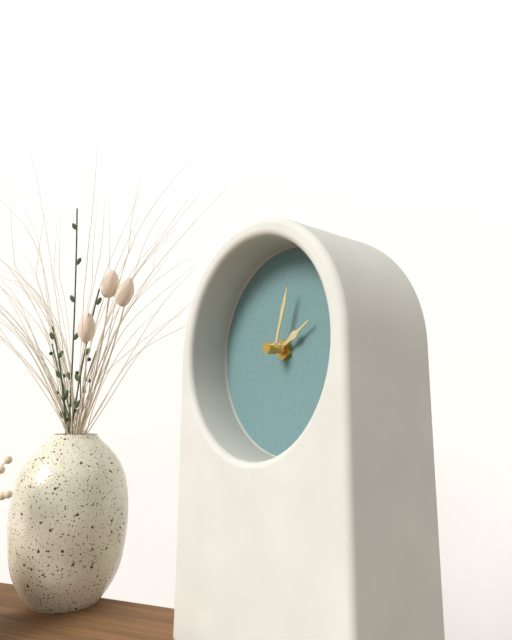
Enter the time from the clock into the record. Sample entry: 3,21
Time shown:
2,03
